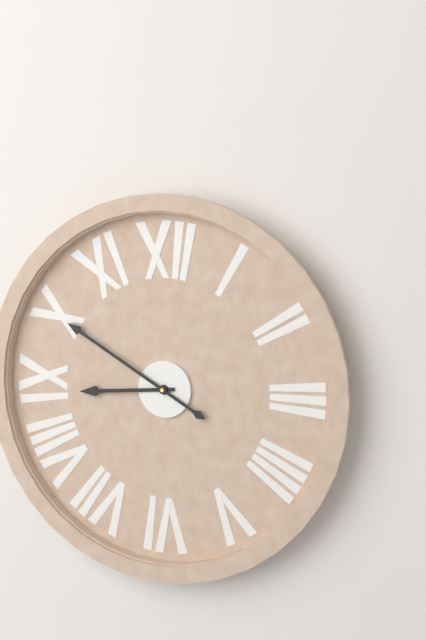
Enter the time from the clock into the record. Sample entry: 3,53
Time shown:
8,50
